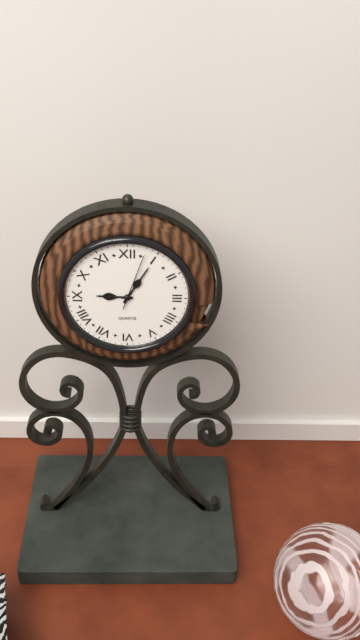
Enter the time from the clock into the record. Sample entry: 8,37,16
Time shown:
9,05,03
